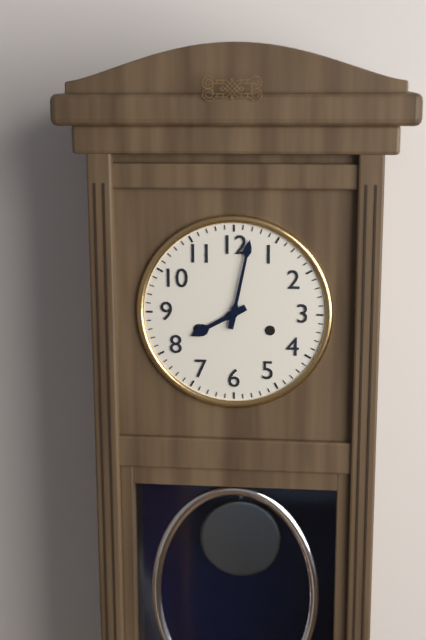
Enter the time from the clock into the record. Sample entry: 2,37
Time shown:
8,02
